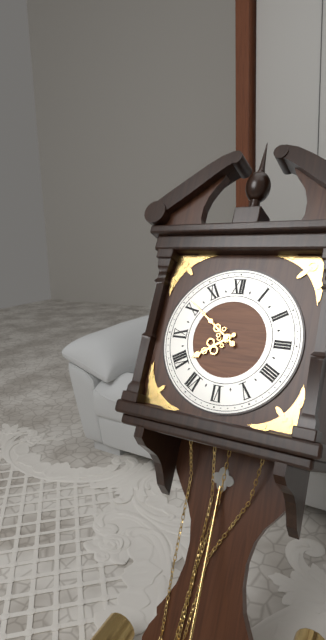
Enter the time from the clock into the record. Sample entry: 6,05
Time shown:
7,51
